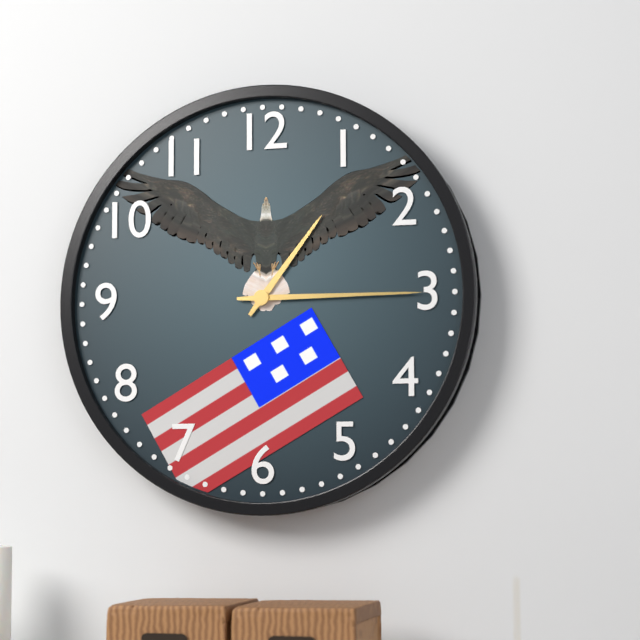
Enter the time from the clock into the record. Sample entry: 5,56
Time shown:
1,15
